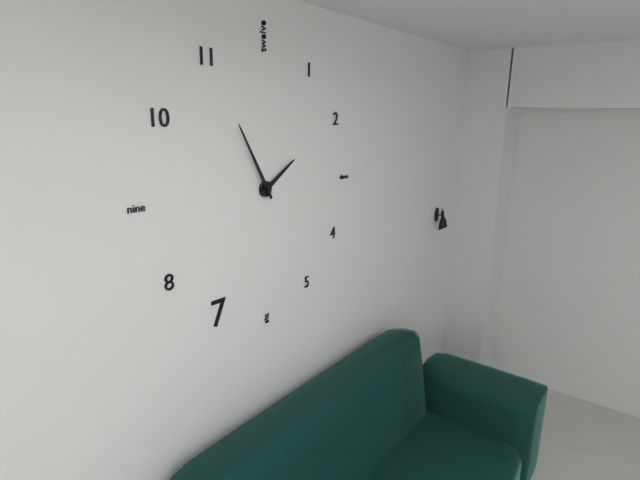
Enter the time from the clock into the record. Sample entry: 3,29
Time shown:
1,55
